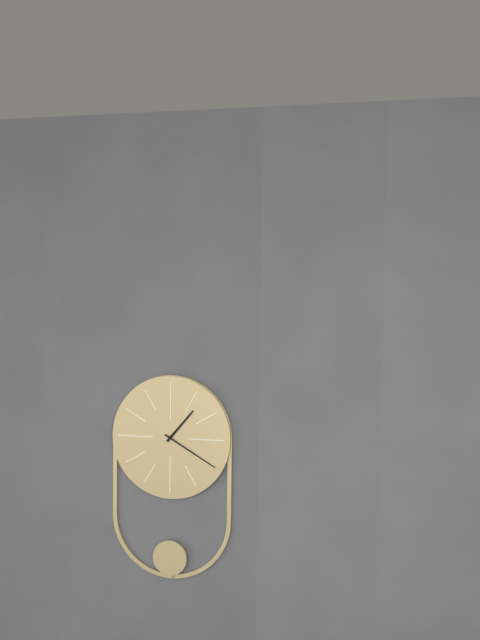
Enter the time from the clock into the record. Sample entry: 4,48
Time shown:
1,20
